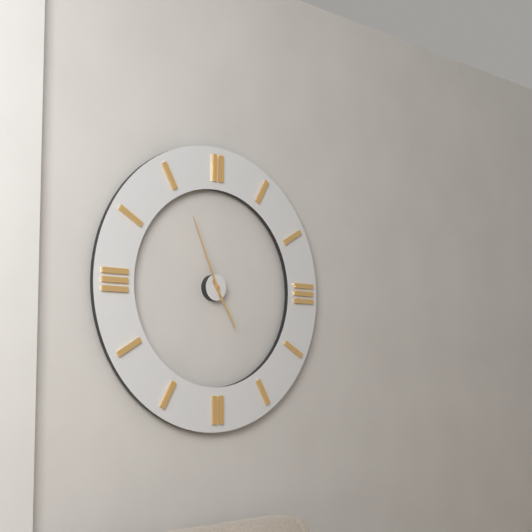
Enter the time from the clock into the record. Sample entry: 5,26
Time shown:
4,56
